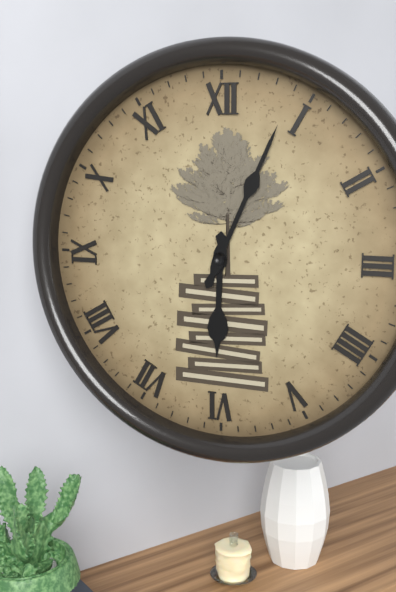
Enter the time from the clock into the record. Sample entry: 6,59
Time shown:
6,04
